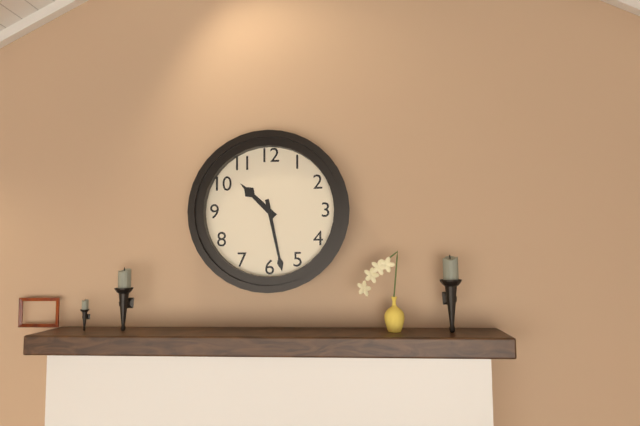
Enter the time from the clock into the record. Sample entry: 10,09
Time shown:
10,28
